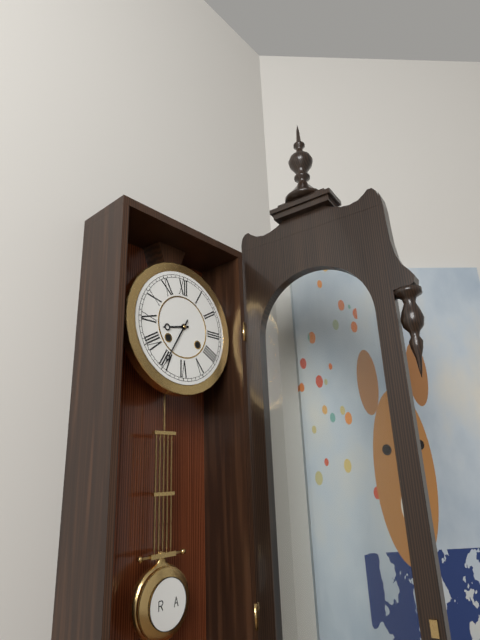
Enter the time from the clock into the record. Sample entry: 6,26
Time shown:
8,35
